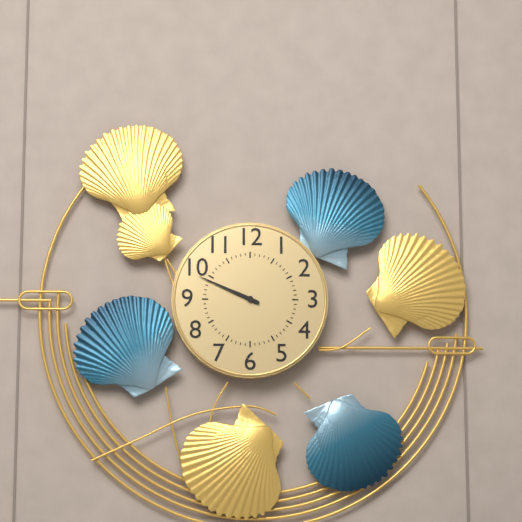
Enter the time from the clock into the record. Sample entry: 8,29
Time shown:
9,49
